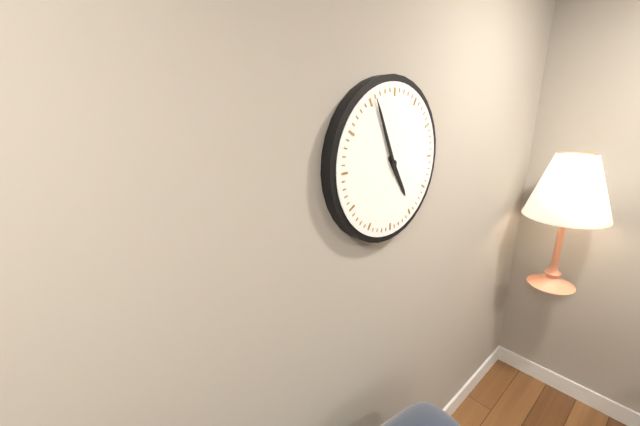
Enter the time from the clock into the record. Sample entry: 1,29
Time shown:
4,56
